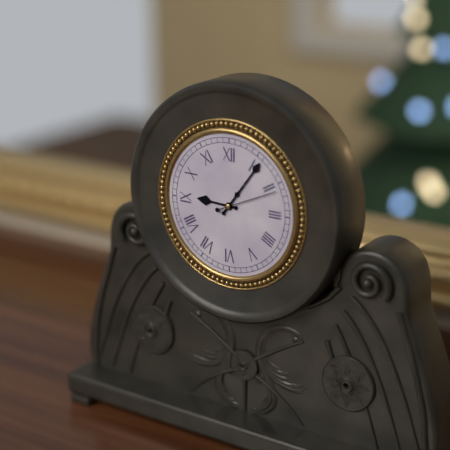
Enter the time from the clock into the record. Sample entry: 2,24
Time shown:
9,06
